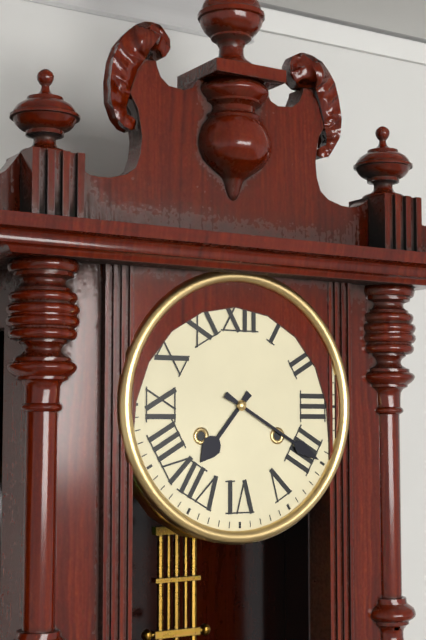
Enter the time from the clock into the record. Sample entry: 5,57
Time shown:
7,20
